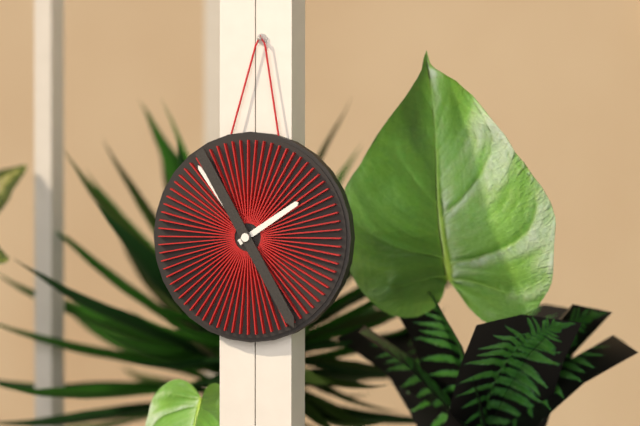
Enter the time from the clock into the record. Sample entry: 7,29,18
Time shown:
1,54,25
